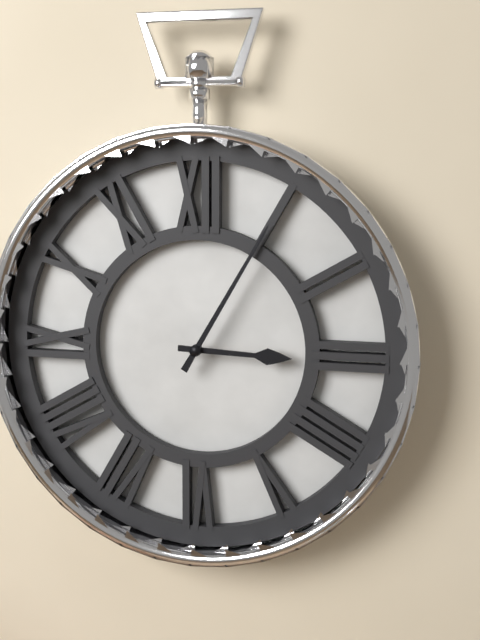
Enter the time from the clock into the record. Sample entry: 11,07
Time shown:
3,05
